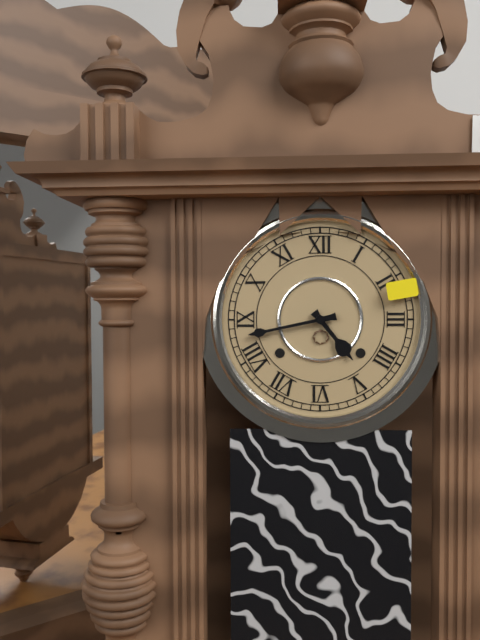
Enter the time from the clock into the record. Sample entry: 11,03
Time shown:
4,43
